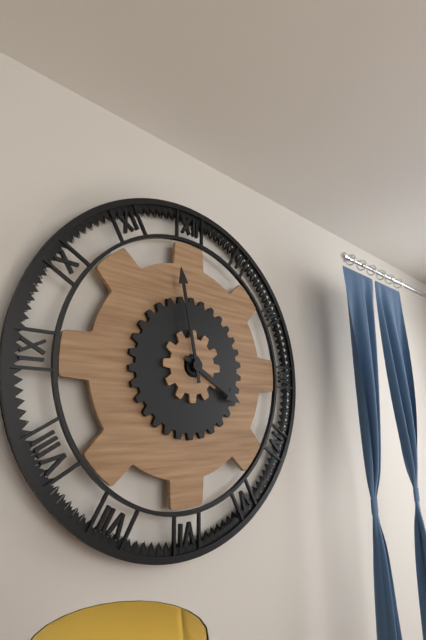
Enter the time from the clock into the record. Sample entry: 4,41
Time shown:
3,58
